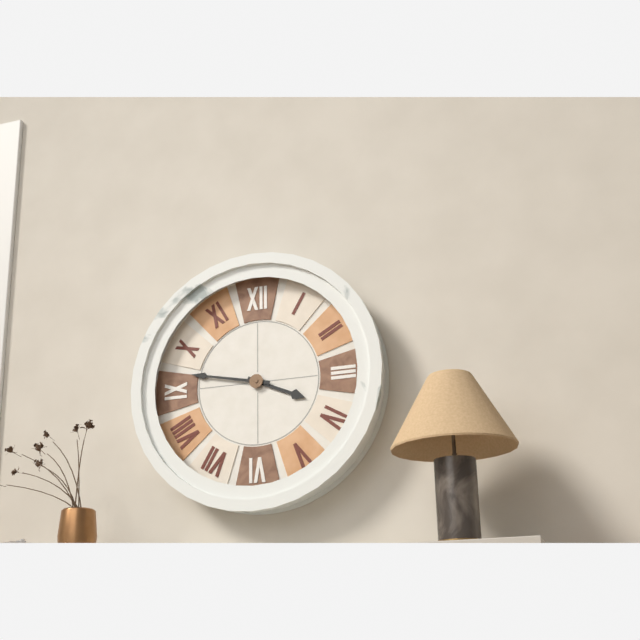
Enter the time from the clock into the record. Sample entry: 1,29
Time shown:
3,47
